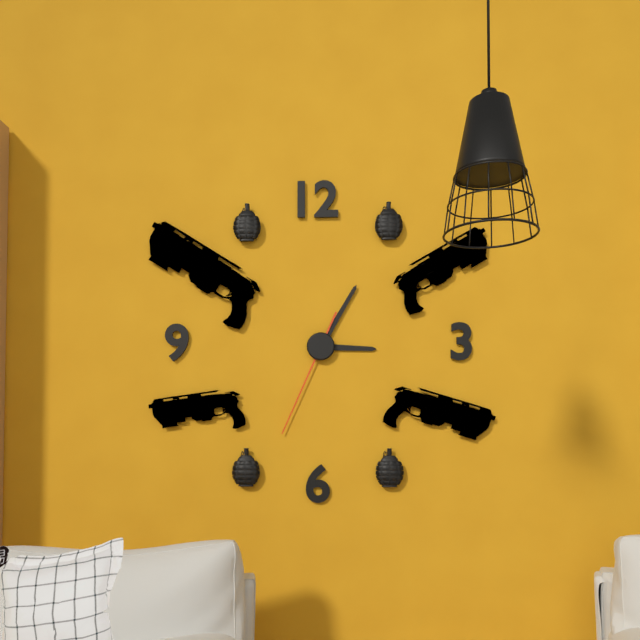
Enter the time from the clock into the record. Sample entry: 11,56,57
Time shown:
3,05,34
